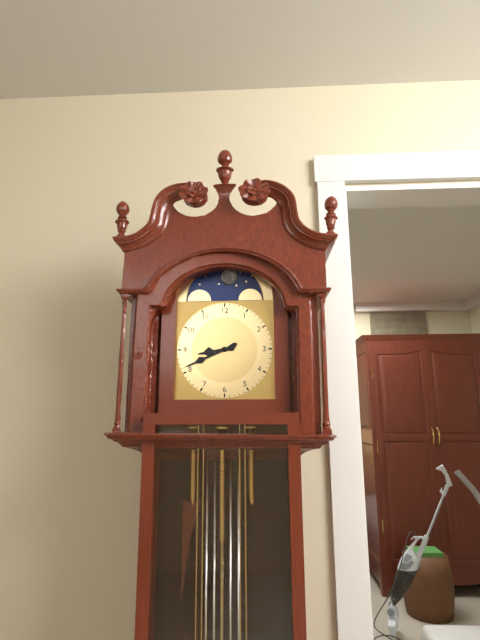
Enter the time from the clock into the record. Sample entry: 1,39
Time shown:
8,41
